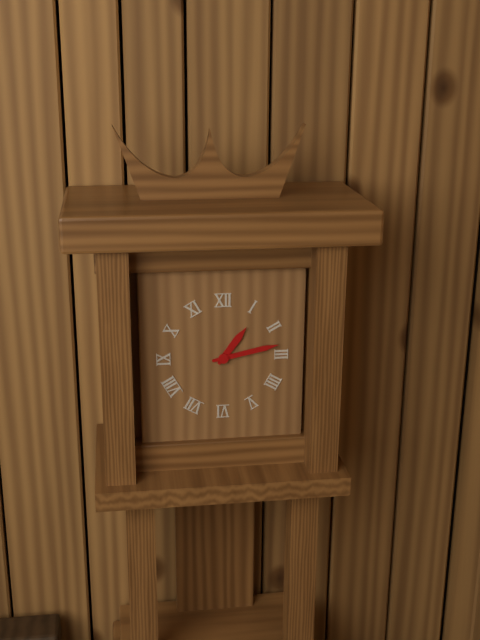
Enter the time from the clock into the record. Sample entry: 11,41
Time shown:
1,13
